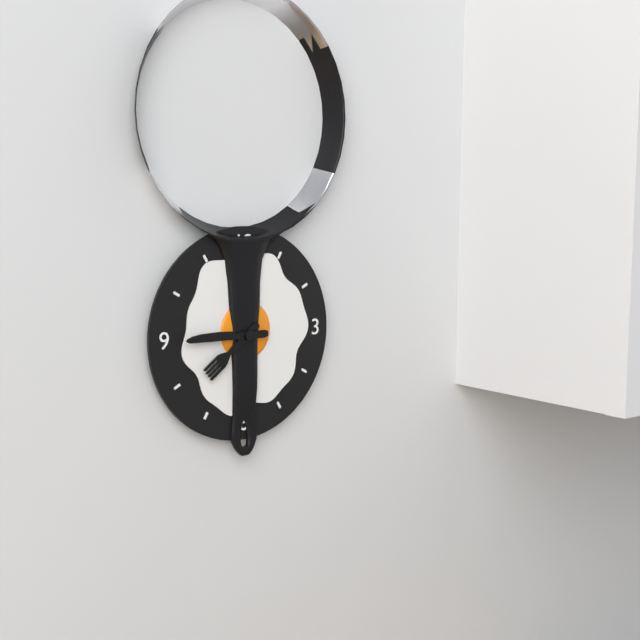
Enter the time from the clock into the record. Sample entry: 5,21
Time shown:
7,45
